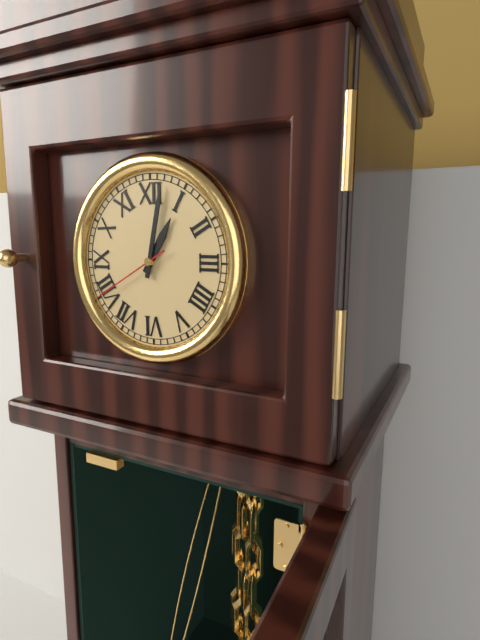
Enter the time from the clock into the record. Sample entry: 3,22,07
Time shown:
1,02,40
